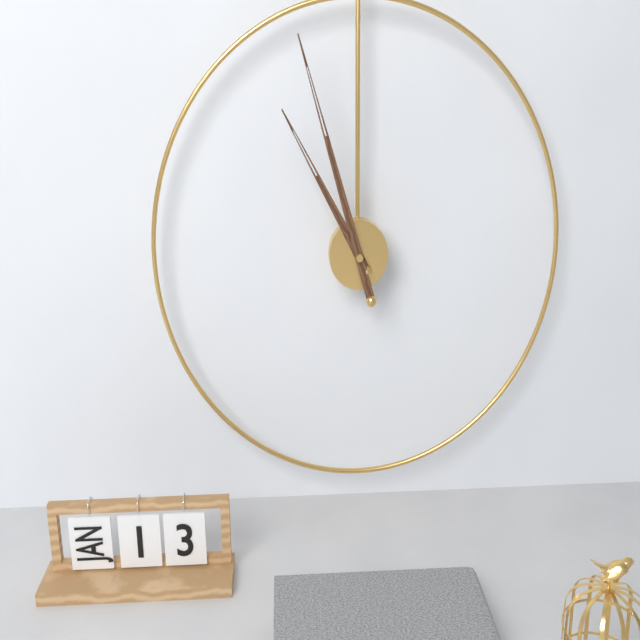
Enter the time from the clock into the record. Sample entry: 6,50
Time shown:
10,57
